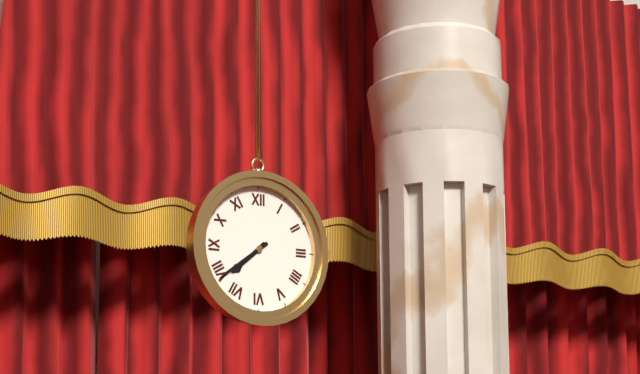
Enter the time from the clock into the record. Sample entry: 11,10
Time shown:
7,39
